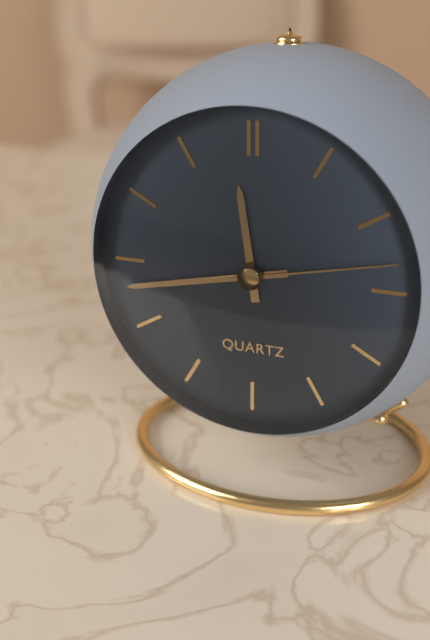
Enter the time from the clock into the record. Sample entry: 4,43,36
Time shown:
11,43,13
